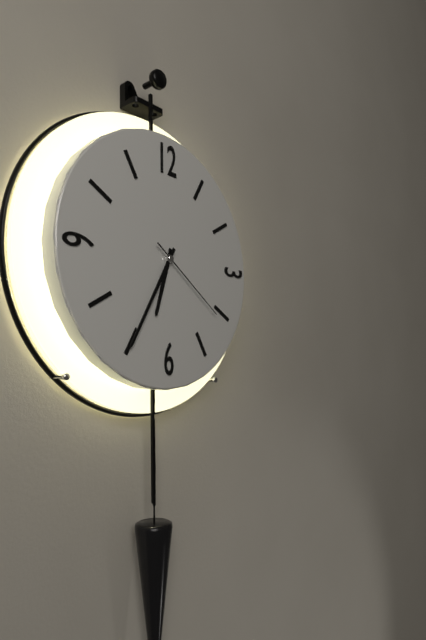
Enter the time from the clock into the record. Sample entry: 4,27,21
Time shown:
6,35,21
